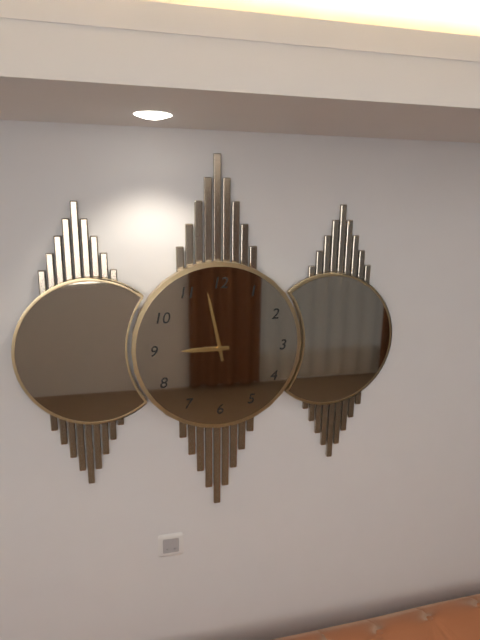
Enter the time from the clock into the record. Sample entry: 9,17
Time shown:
8,58
